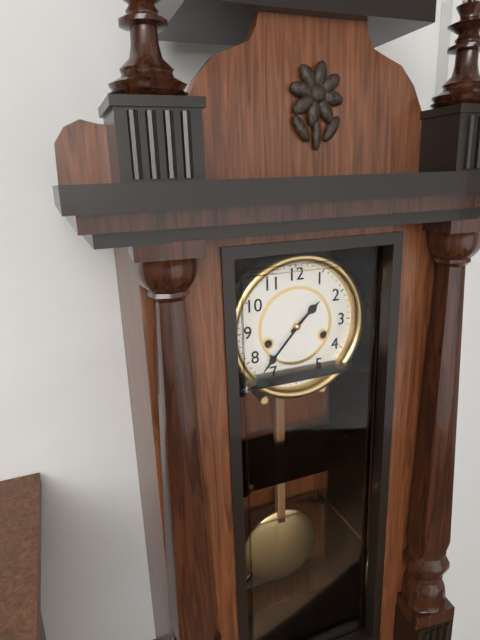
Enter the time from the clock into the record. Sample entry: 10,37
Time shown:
1,37
